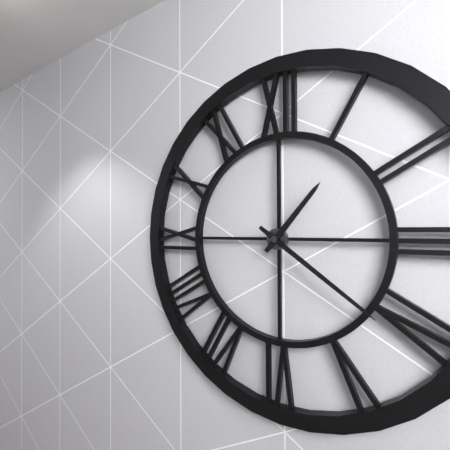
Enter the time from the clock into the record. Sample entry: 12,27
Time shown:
1,21
